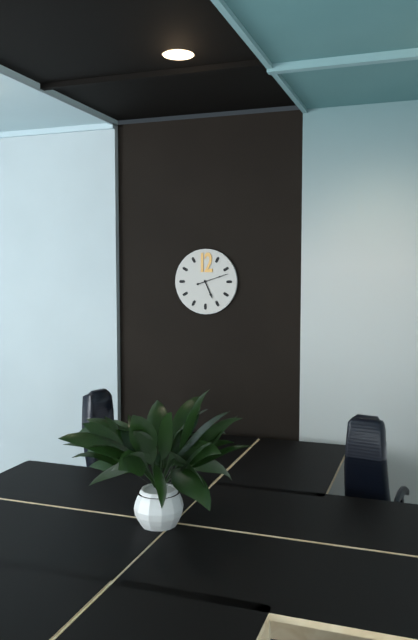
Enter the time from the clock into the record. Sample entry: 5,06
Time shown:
5,12
